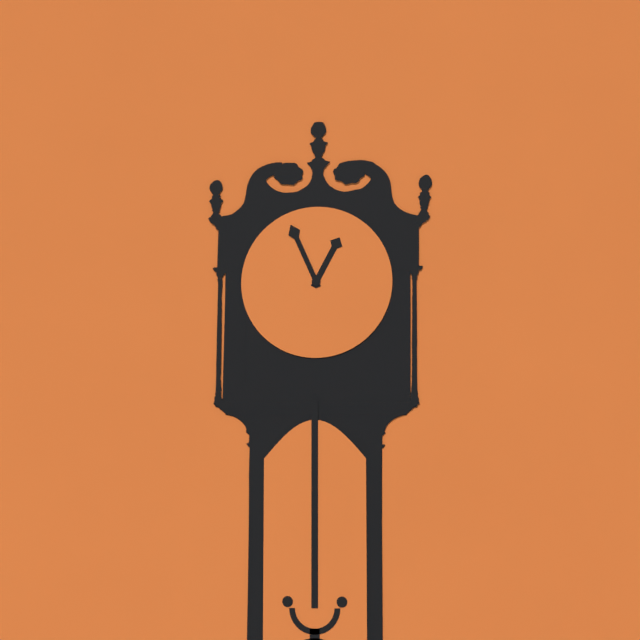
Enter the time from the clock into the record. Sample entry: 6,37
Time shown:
12,56
